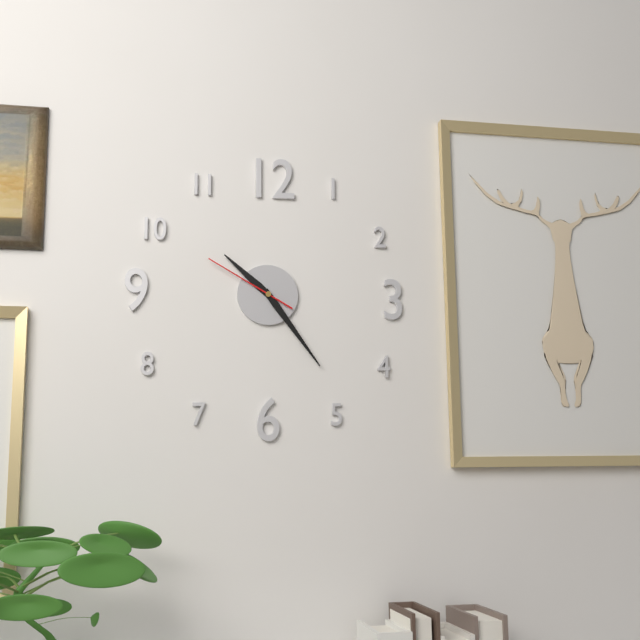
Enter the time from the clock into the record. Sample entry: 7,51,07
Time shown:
10,24,50
